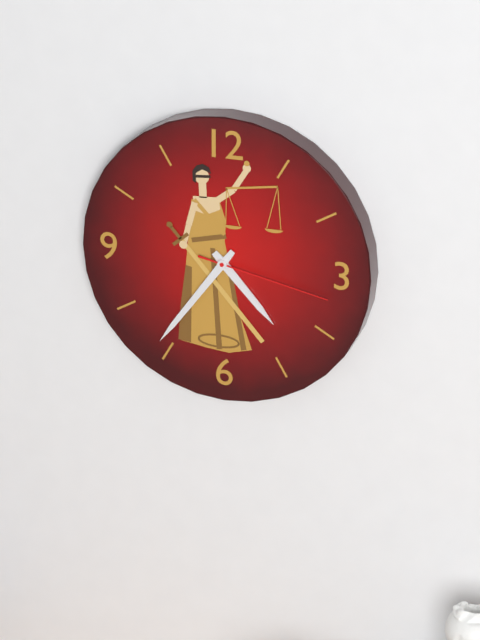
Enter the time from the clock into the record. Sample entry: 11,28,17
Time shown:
4,36,17
